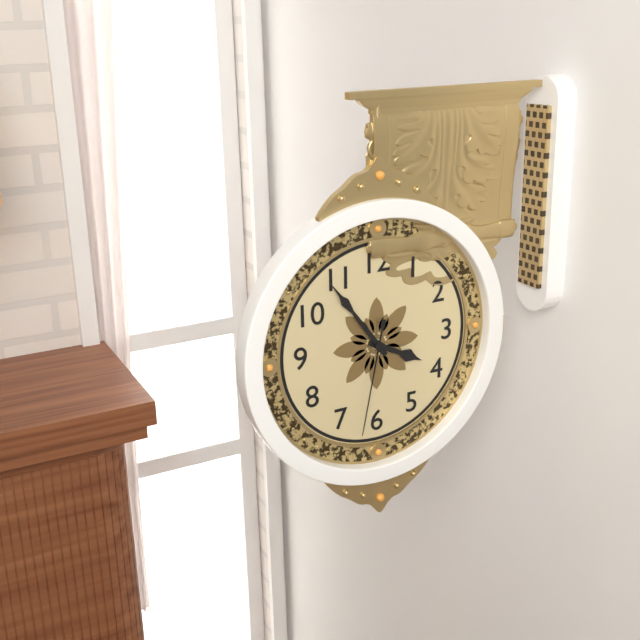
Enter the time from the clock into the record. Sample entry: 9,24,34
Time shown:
3,54,32
